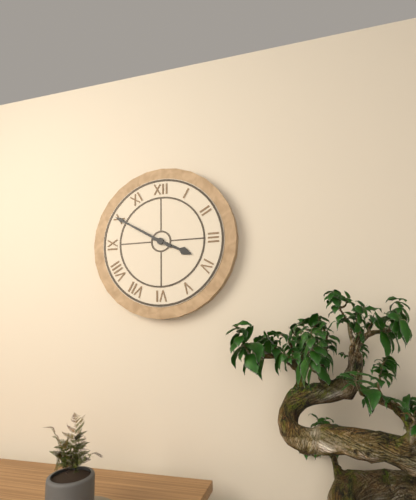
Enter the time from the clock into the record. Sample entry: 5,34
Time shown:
3,50
